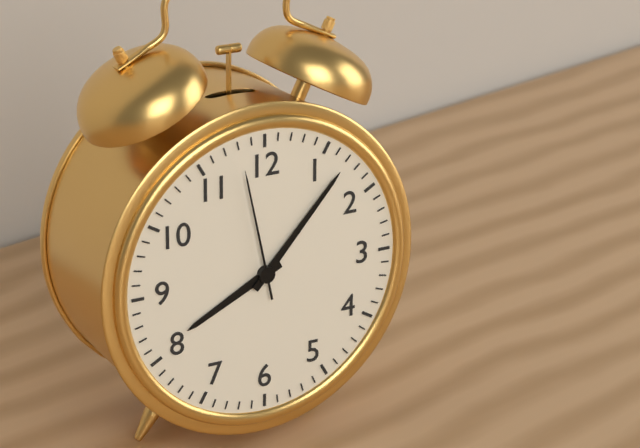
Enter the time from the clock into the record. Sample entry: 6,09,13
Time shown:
8,07,58
